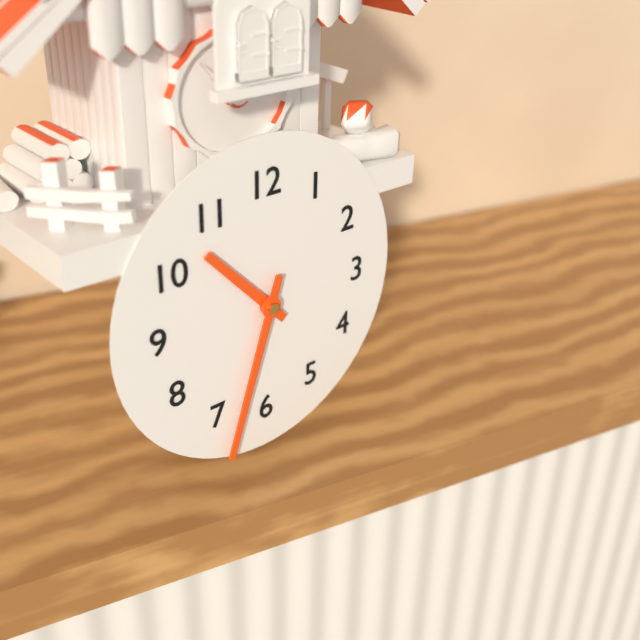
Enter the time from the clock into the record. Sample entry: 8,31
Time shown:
10,33
